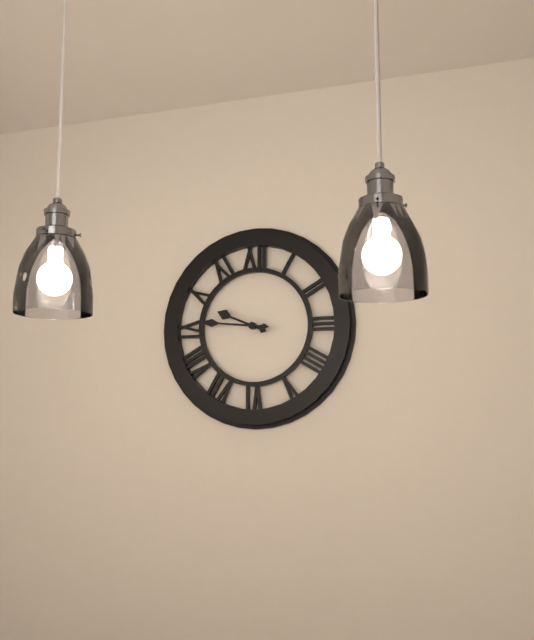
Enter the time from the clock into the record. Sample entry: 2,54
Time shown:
9,46
